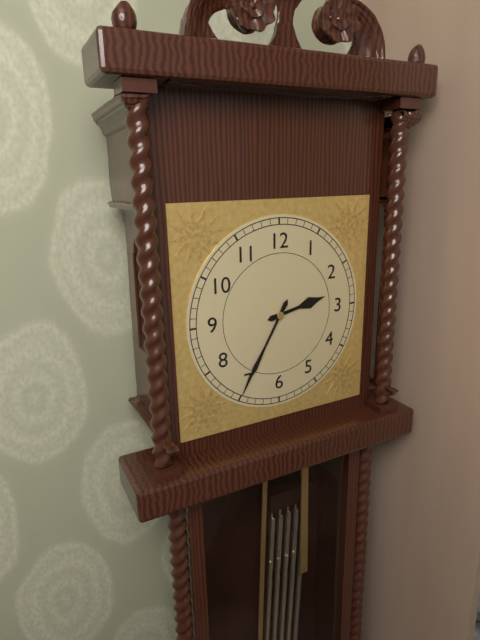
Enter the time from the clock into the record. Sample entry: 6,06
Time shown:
2,35
